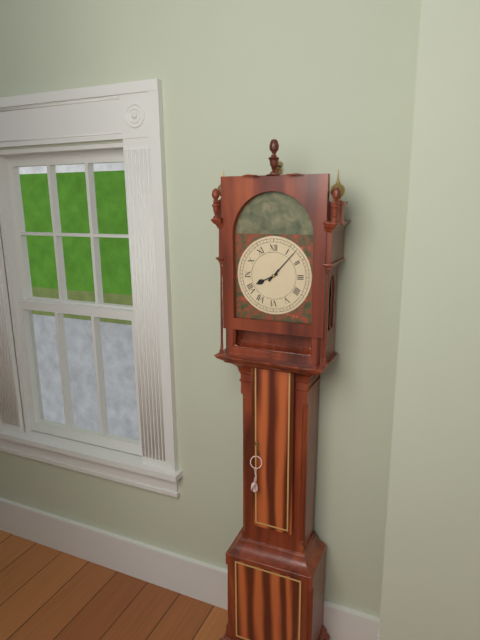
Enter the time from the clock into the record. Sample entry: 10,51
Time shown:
8,07
